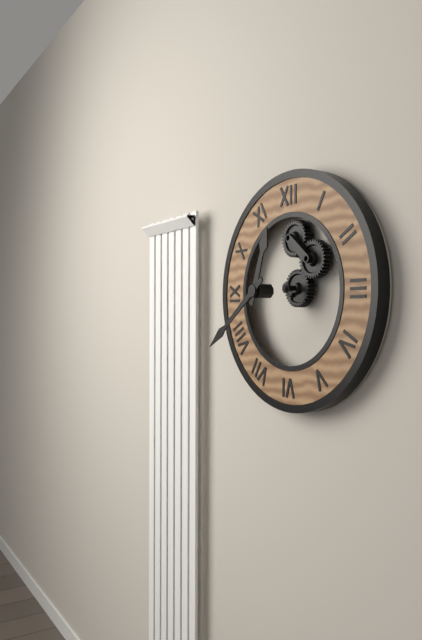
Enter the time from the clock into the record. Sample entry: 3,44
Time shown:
12,39
